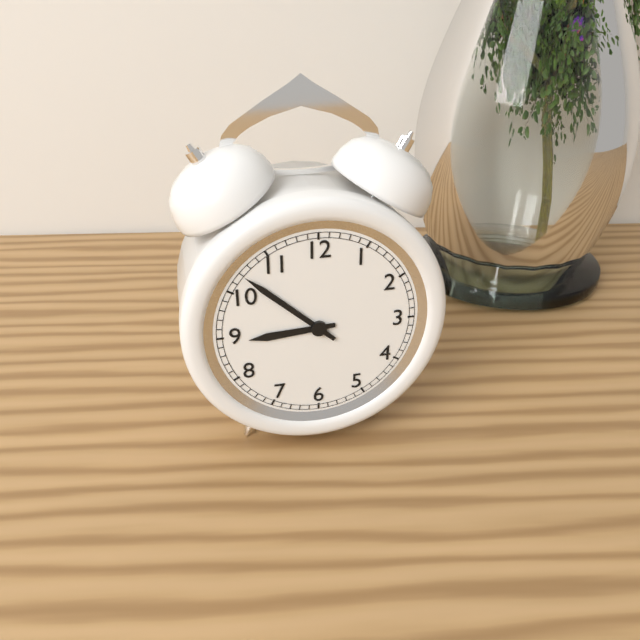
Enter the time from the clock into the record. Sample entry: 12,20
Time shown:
8,52
